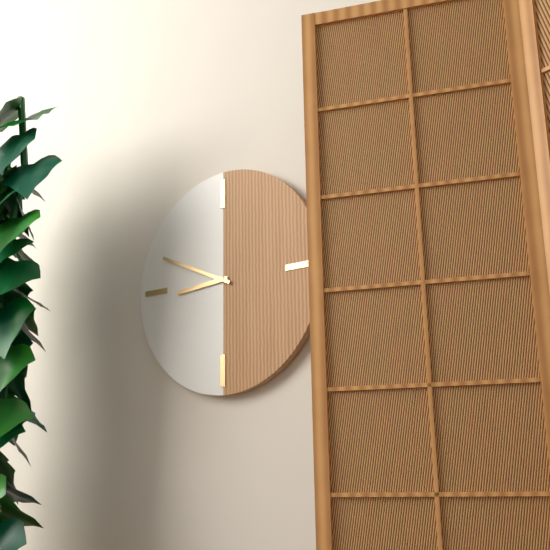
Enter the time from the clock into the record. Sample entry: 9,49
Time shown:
8,49
